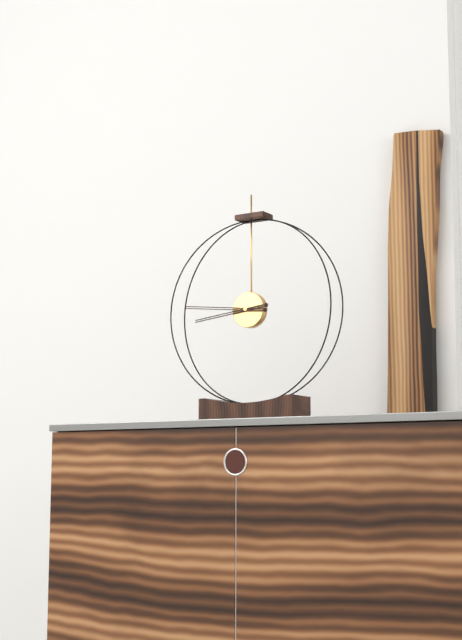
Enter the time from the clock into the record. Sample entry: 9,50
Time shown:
8,46
